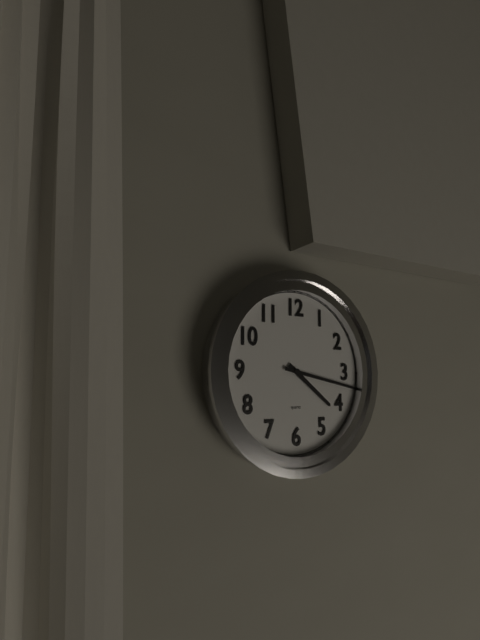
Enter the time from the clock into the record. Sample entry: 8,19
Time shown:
4,17
